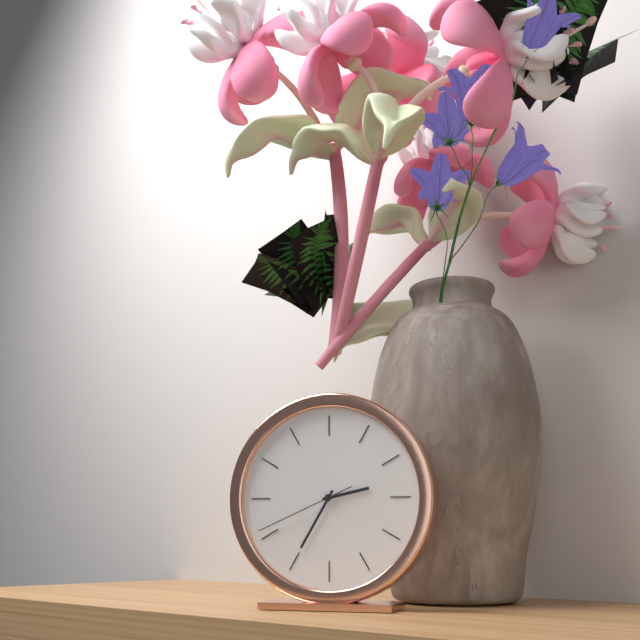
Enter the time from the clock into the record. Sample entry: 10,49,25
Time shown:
2,35,41
